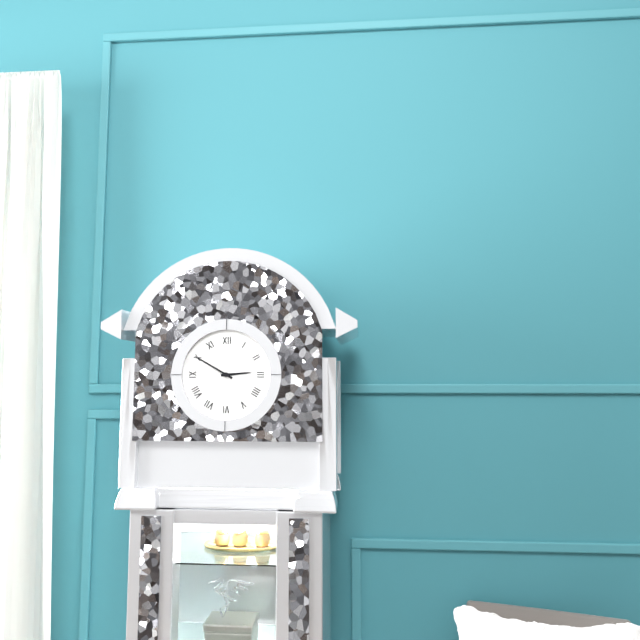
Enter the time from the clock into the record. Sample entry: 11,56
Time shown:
2,50
